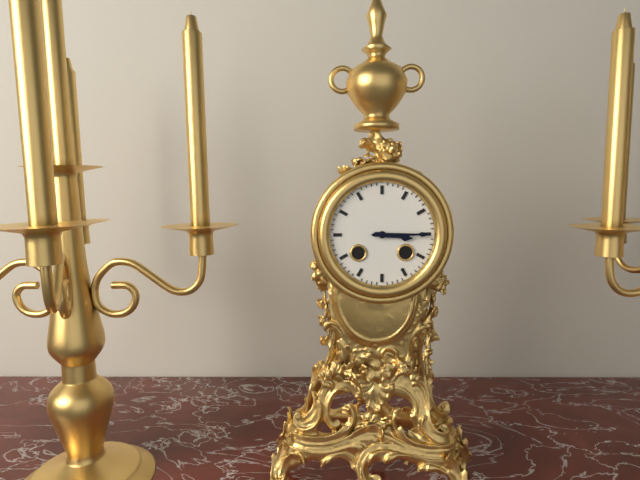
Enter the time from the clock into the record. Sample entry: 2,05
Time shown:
3,15
